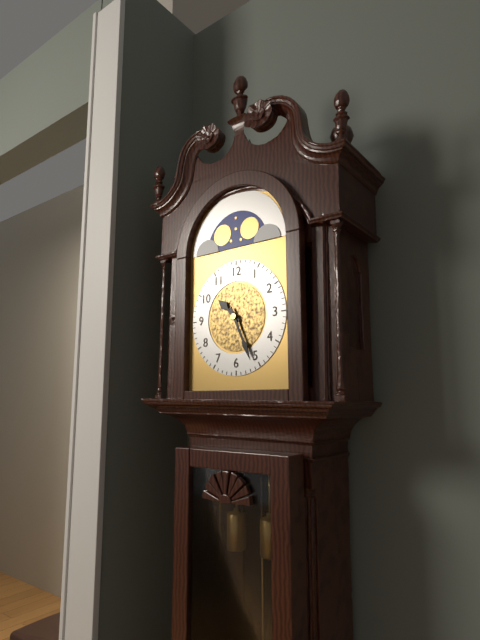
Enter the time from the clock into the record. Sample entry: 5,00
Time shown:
10,26
